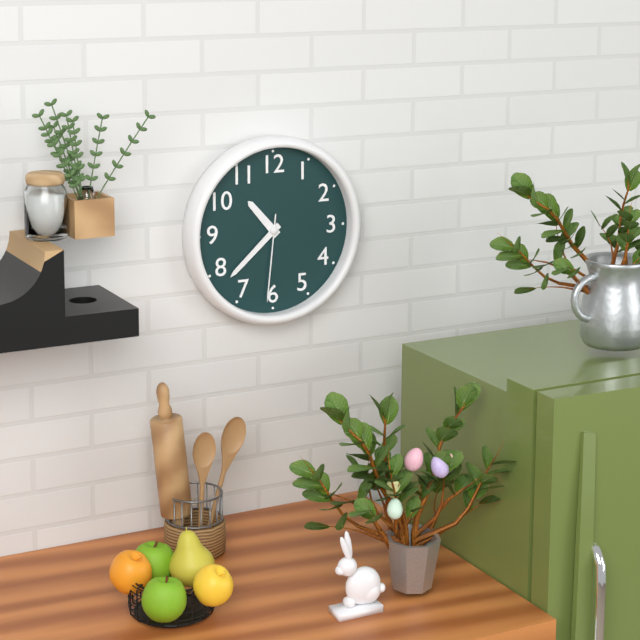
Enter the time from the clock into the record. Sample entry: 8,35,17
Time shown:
10,38,31
